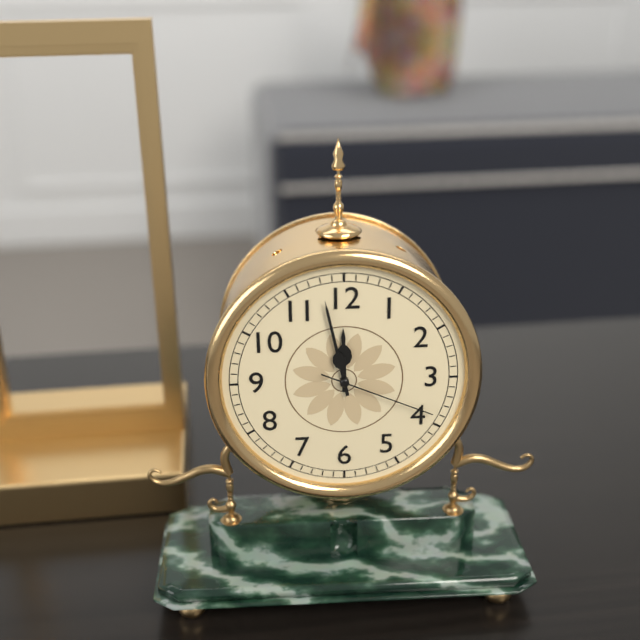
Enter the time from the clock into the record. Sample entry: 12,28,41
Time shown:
11,58,19
